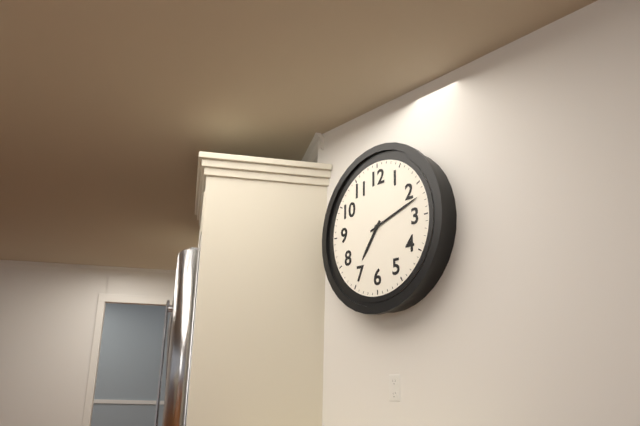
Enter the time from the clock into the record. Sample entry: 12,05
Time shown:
7,12
